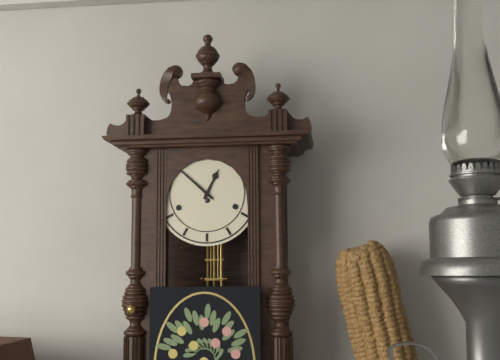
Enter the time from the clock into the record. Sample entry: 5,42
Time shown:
12,52
